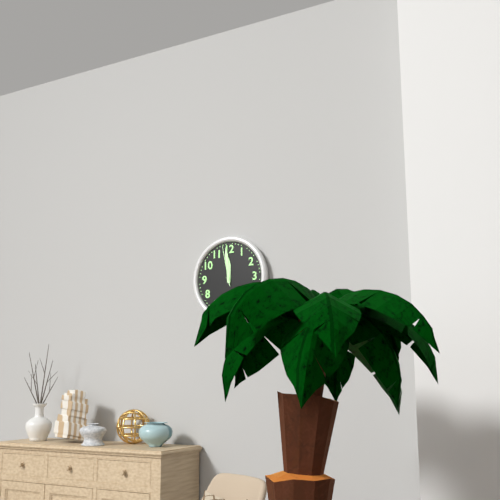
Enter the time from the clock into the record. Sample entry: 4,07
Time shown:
11,59
